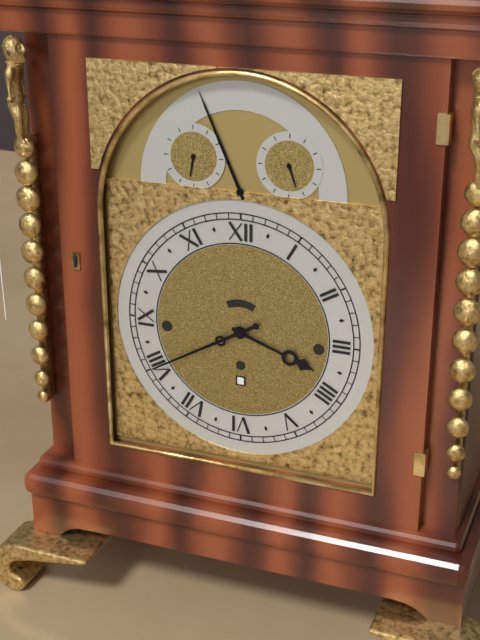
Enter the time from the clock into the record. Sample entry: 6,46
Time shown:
3,40
